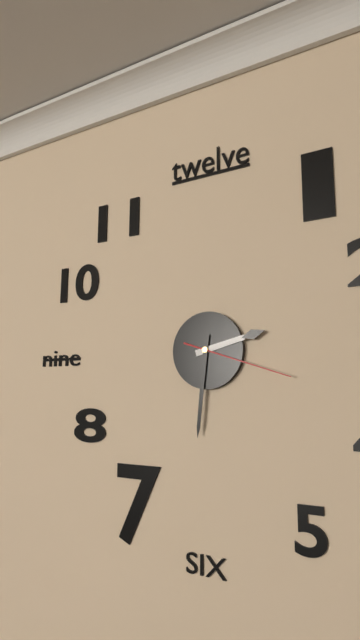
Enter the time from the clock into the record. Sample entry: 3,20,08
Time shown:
2,31,18
